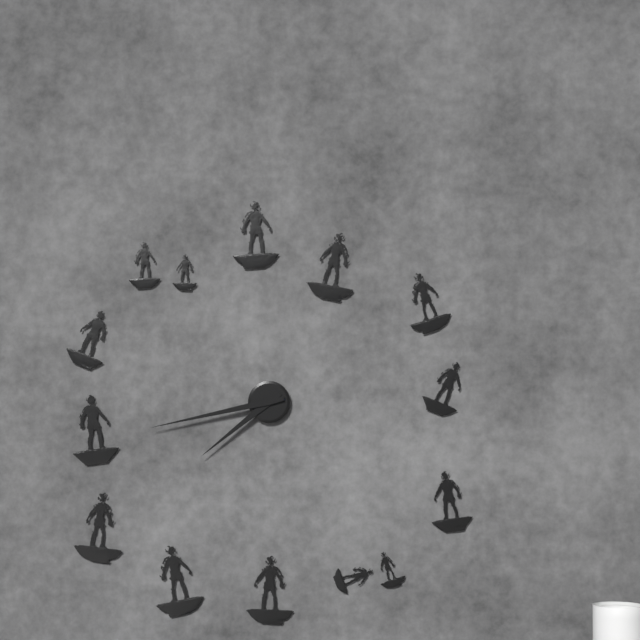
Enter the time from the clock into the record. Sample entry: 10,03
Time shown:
7,43
